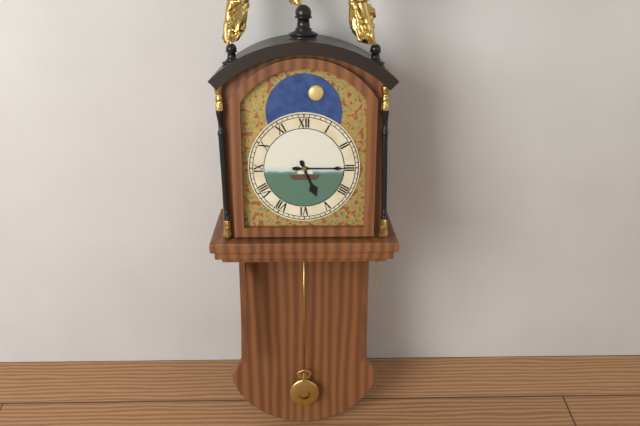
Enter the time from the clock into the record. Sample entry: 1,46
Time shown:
5,15
